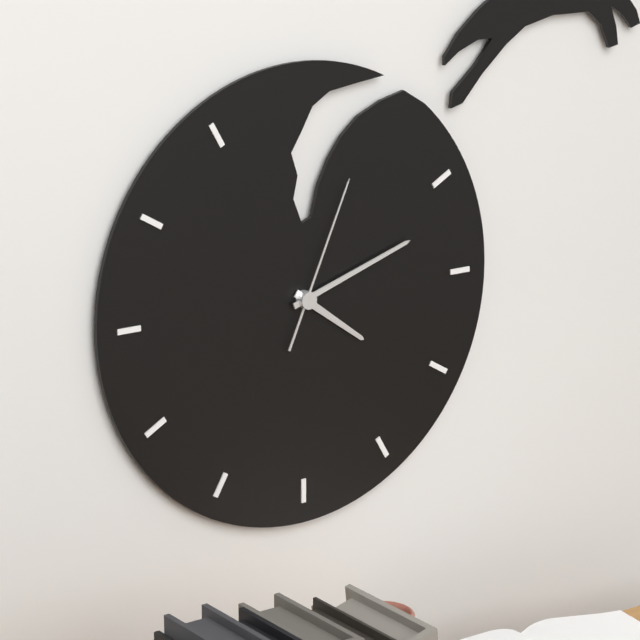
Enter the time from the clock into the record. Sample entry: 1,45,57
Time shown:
4,12,04
